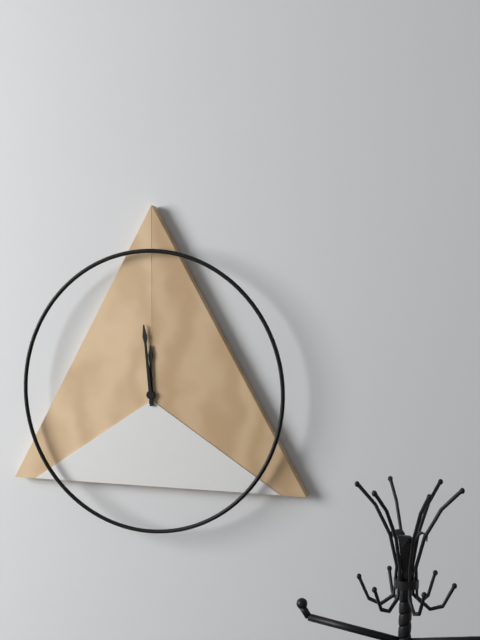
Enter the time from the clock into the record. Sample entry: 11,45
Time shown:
11,59
